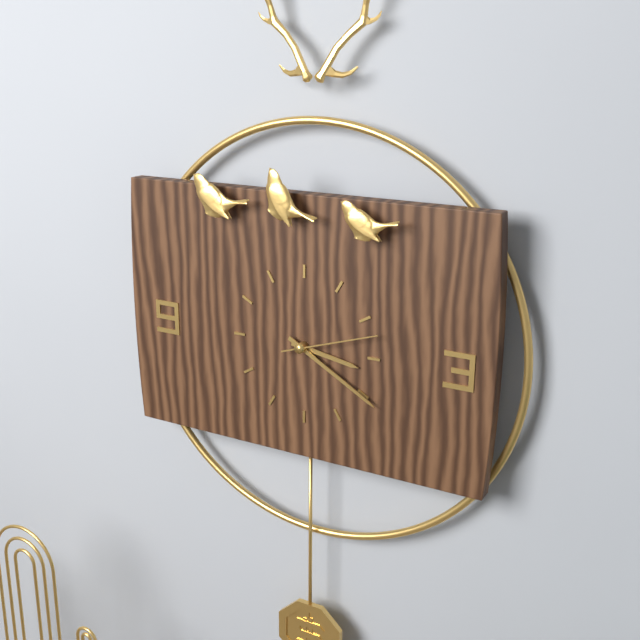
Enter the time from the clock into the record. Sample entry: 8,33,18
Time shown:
3,20,12
